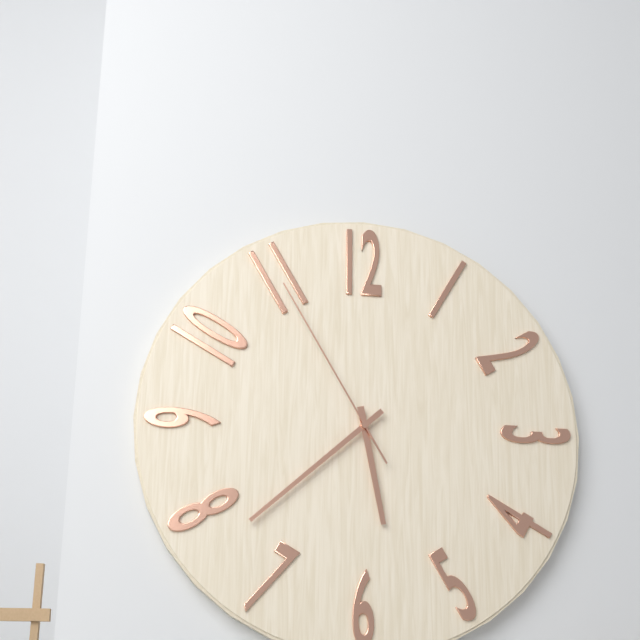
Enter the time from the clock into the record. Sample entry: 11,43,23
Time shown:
5,38,55
